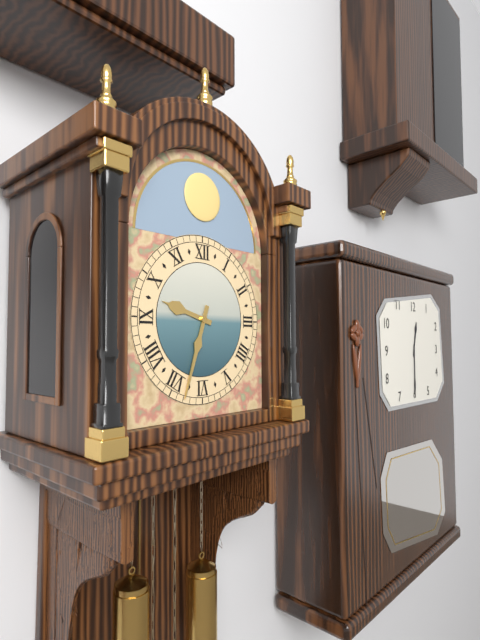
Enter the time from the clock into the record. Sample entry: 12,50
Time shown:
9,33
